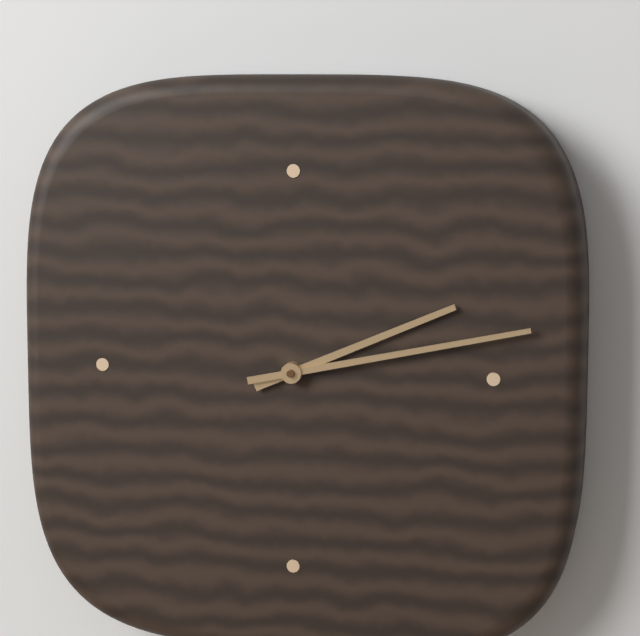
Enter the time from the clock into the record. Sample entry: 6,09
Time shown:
2,13
